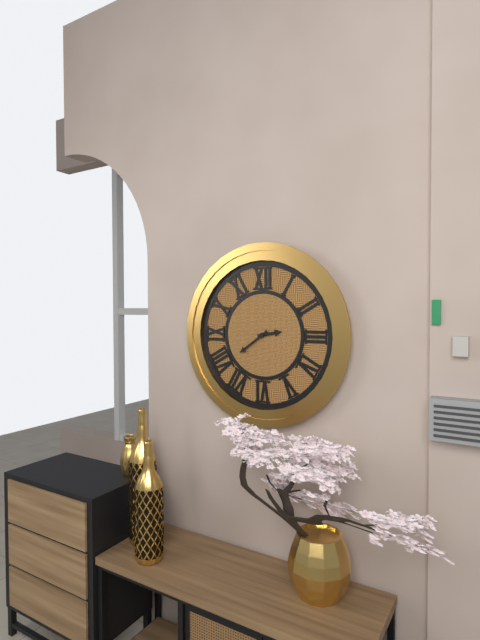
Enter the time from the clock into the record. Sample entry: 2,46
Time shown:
2,39
